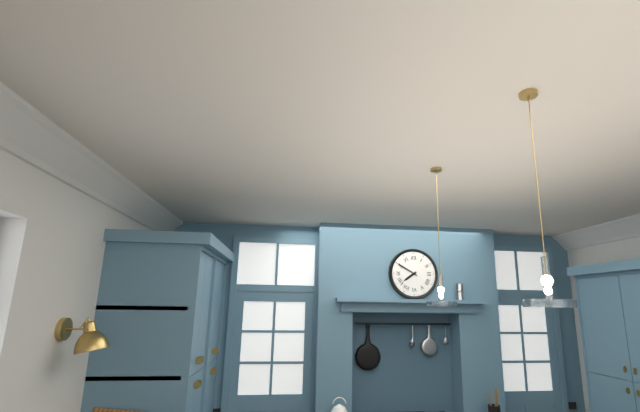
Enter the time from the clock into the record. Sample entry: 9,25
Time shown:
7,50
